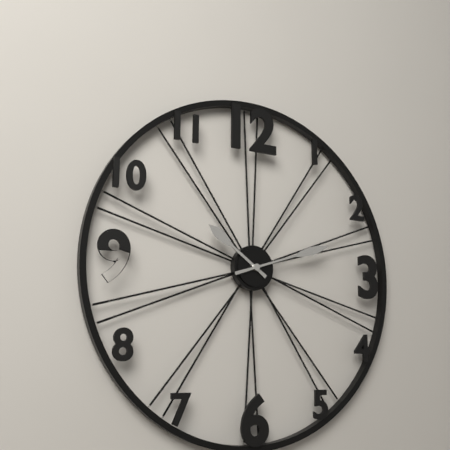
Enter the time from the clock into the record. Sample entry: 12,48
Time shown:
10,12
